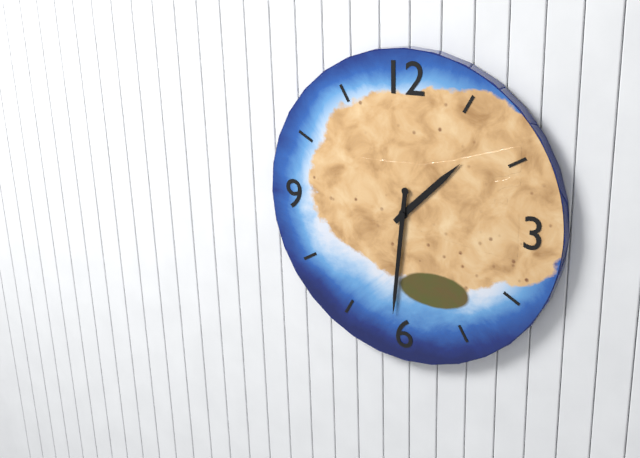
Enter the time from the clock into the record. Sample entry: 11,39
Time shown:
1,31
